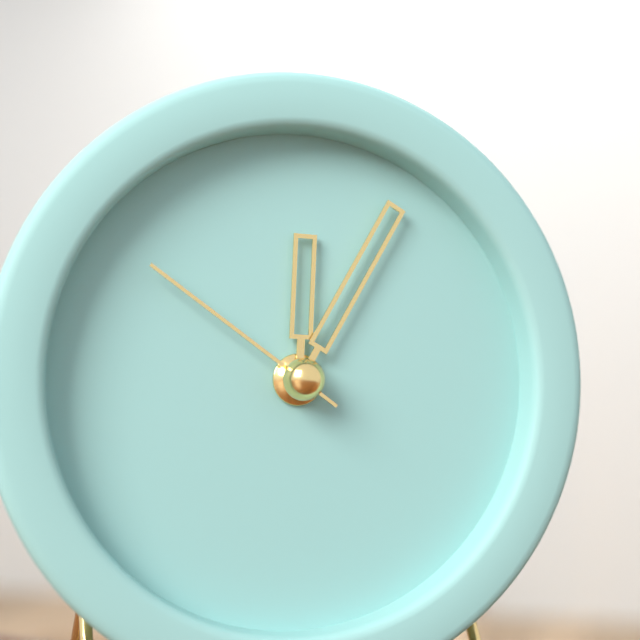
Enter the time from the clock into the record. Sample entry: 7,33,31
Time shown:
12,05,51
